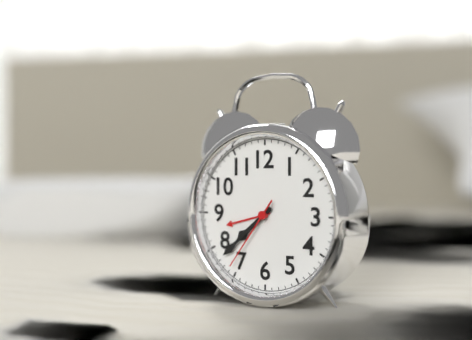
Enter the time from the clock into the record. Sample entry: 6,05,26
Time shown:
7,38,36
